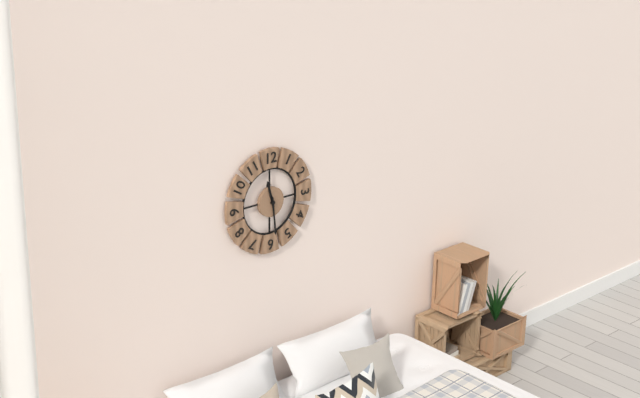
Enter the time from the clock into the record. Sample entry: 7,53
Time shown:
11,29
